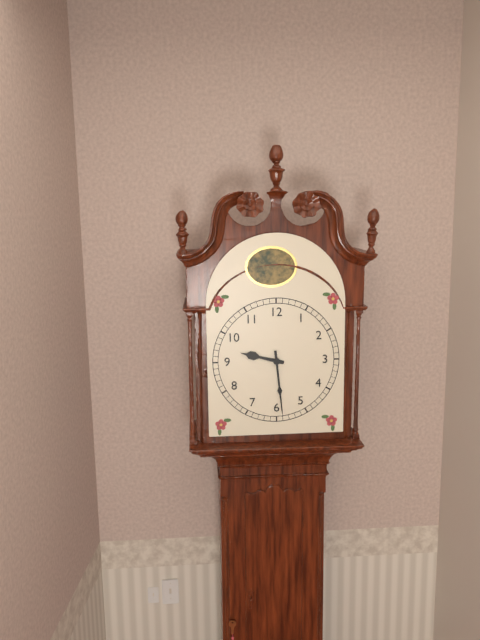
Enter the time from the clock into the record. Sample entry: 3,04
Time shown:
9,29
